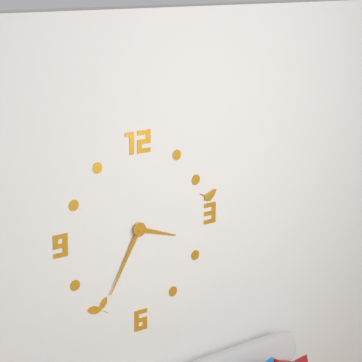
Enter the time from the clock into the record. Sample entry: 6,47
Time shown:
3,35
